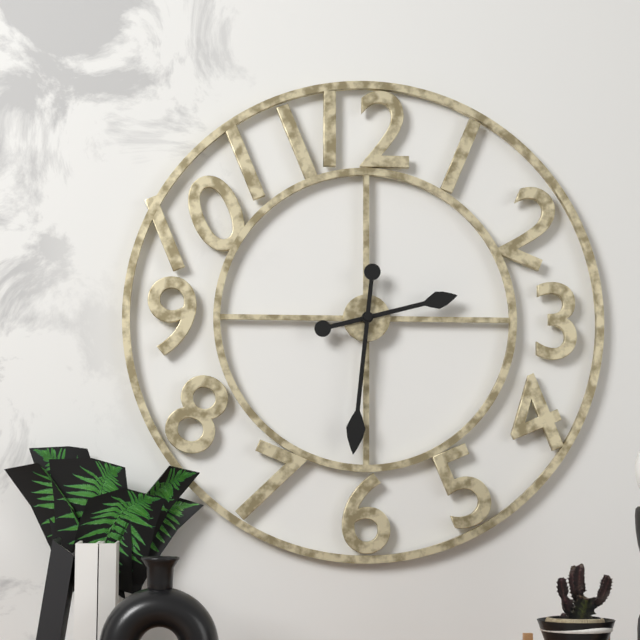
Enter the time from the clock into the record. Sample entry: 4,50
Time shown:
2,31
